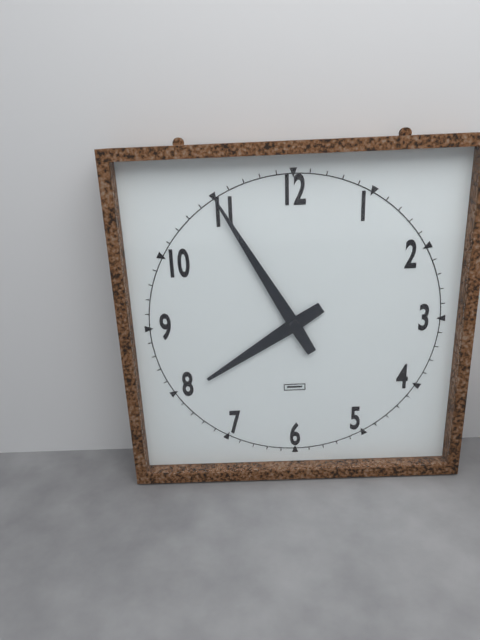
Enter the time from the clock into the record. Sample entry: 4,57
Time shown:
7,55
